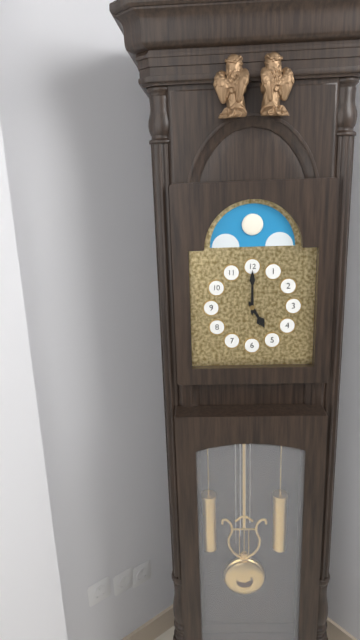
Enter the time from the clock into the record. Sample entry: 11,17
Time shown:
5,00
